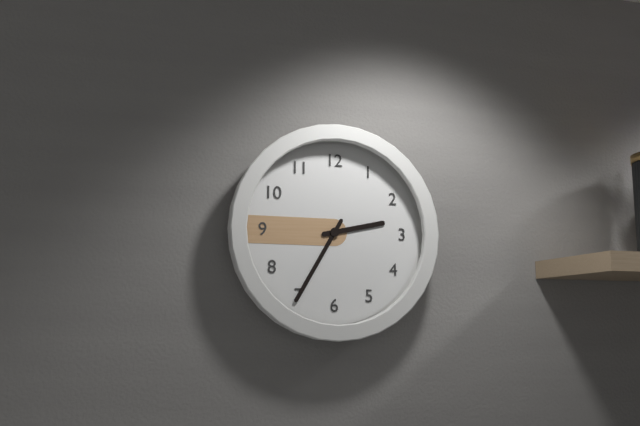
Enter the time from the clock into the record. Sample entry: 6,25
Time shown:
2,35
